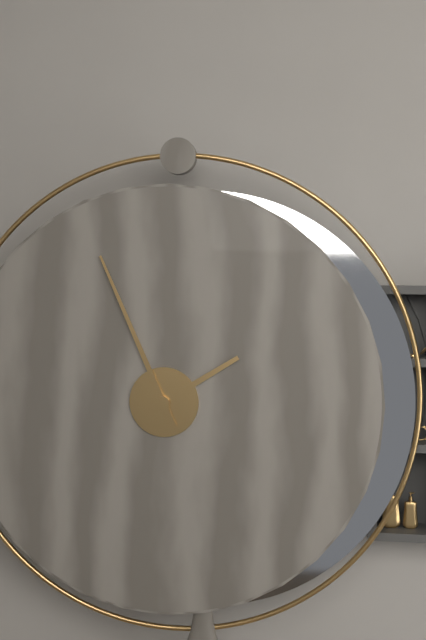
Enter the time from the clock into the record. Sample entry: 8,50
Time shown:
1,56
